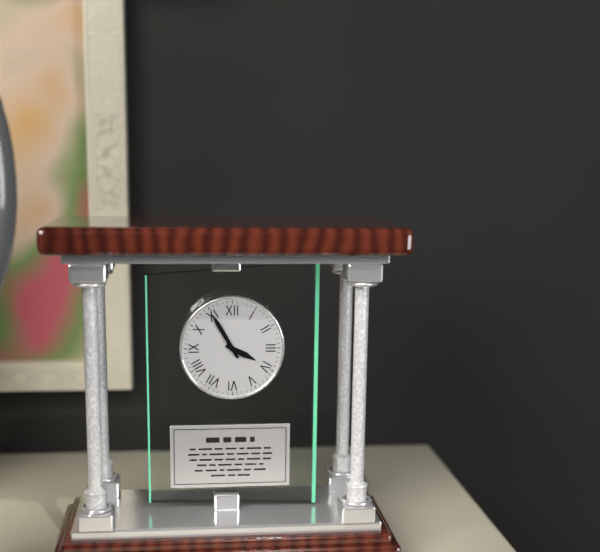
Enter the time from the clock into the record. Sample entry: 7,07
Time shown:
3,55
